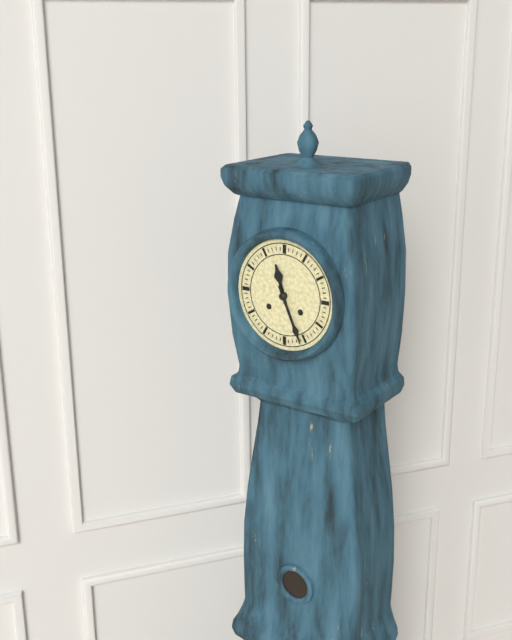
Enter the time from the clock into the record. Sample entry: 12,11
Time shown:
11,26
